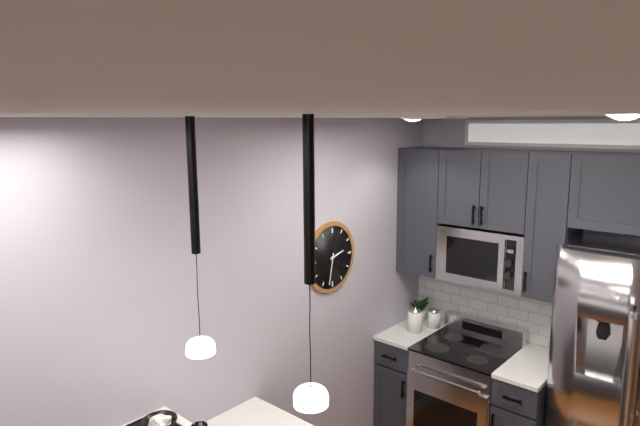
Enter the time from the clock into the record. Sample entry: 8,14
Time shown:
2,32
